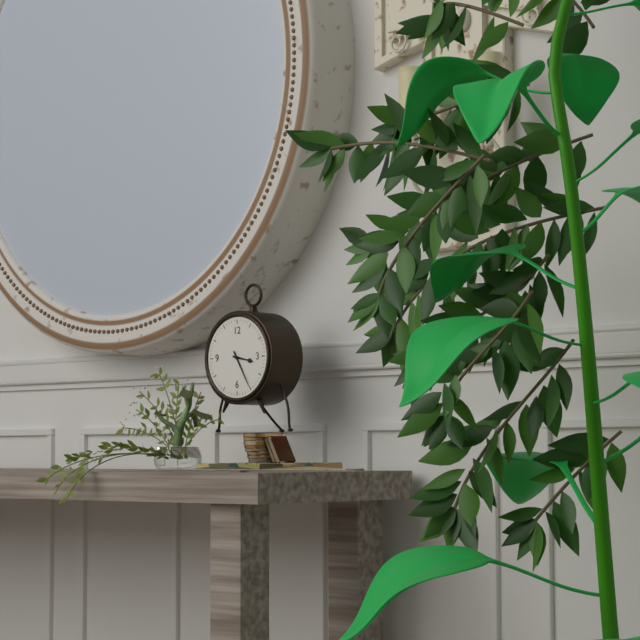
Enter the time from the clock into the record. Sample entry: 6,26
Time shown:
3,25
